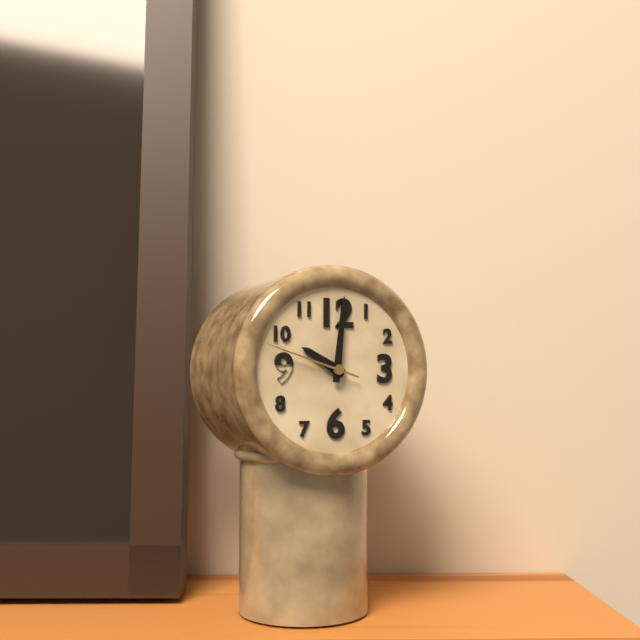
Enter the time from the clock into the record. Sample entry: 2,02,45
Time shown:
10,01,48
